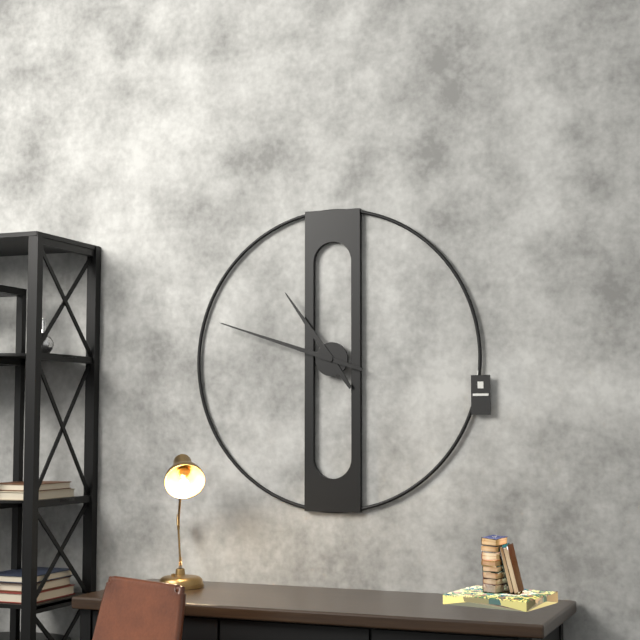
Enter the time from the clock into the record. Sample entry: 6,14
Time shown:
10,48
